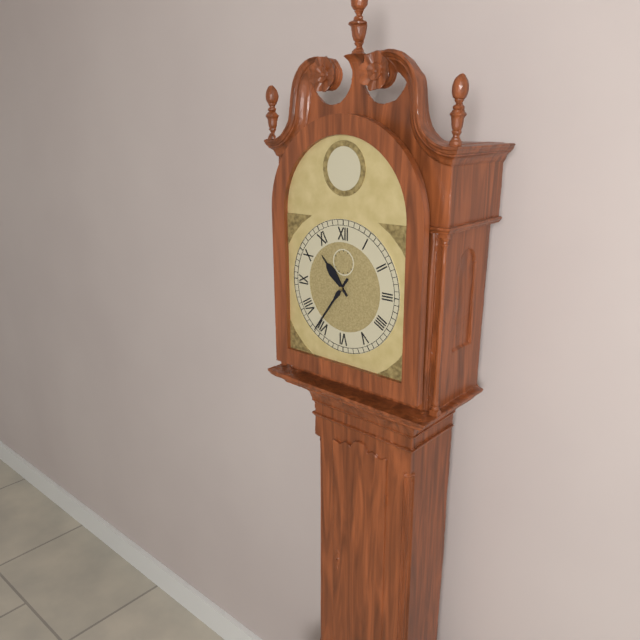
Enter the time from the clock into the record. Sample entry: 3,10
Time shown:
10,36
